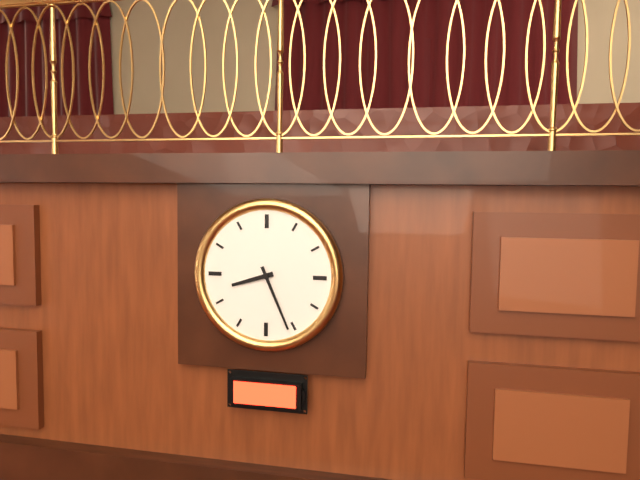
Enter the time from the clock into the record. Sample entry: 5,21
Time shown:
8,26
